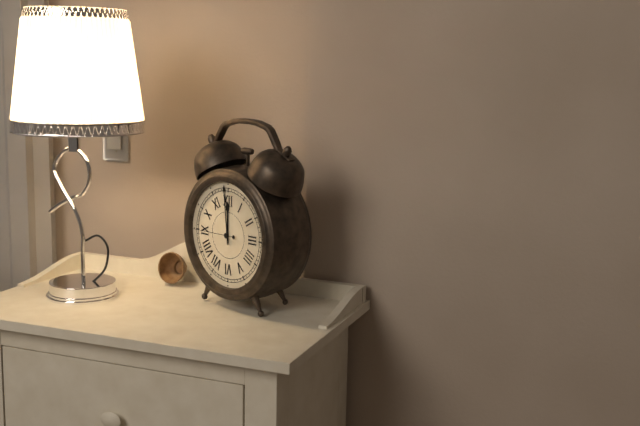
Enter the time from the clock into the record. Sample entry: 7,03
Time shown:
11,59
